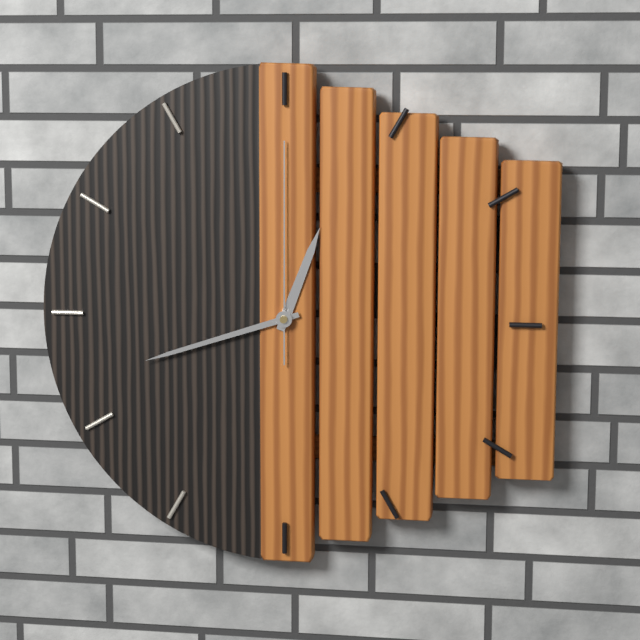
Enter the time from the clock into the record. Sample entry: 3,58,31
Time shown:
12,42,00
